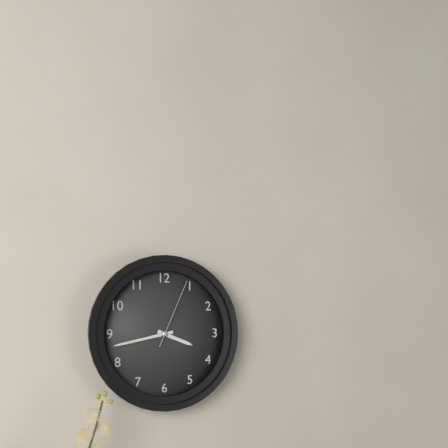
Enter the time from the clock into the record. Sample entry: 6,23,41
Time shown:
3,43,04
